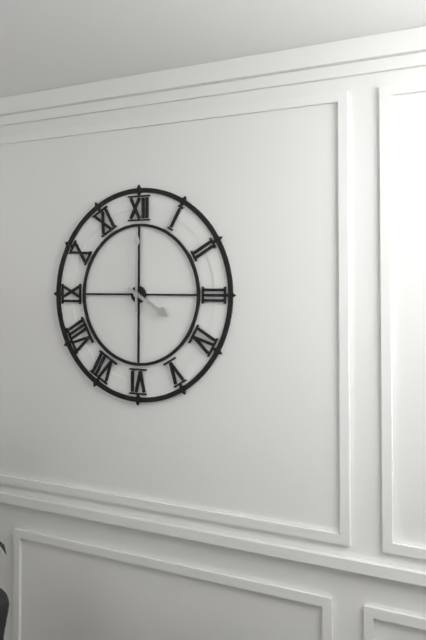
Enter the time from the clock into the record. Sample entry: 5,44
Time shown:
4,00
